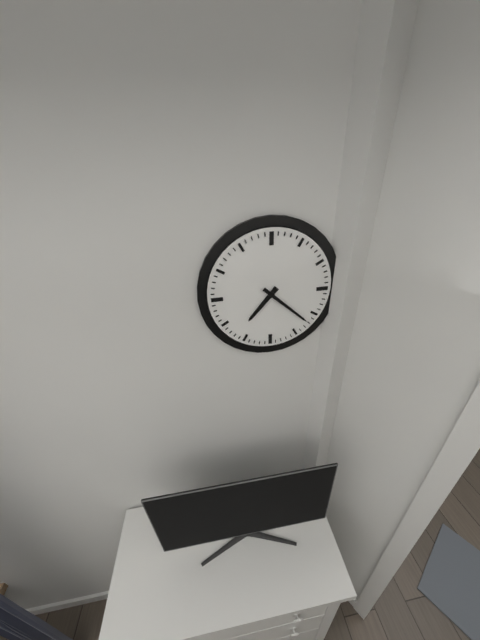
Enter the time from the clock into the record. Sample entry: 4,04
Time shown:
7,22
